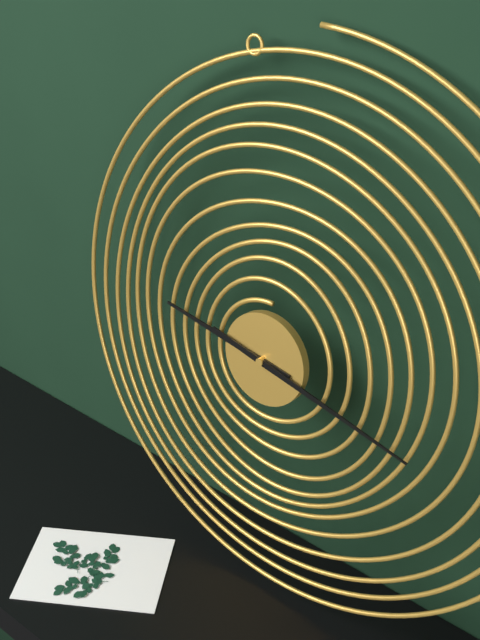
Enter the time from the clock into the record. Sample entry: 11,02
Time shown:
9,17
